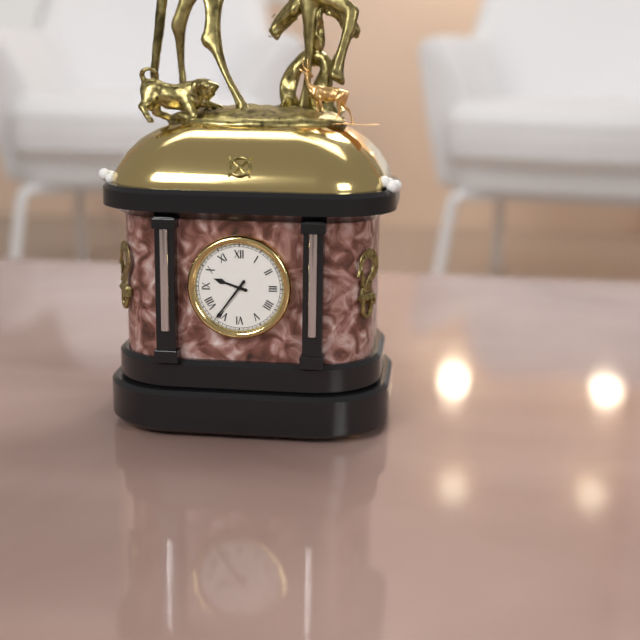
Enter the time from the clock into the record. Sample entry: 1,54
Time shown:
9,36
